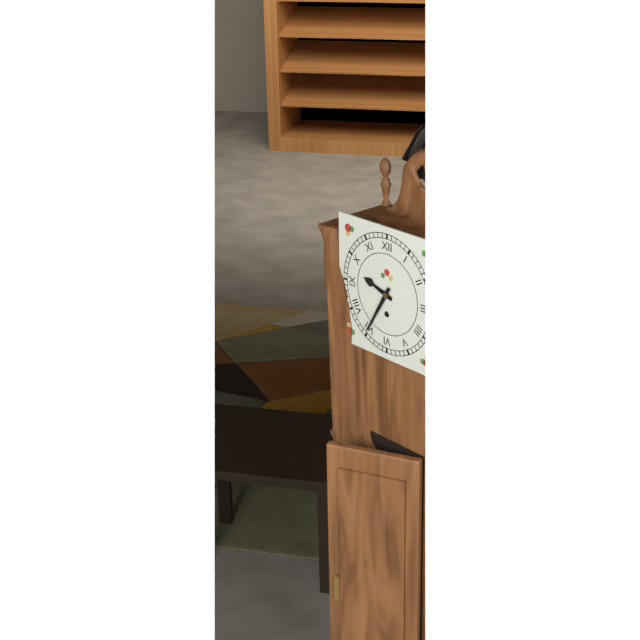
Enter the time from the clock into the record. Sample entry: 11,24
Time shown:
9,35
